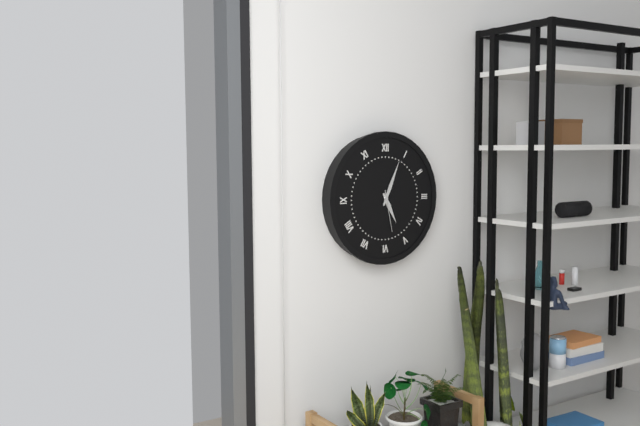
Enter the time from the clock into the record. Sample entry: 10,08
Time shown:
5,04
